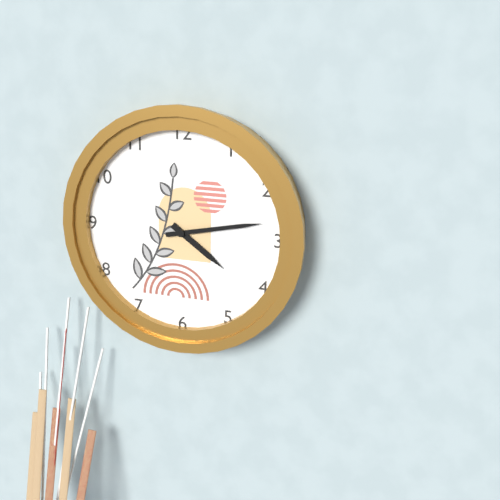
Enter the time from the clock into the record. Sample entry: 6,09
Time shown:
4,13
